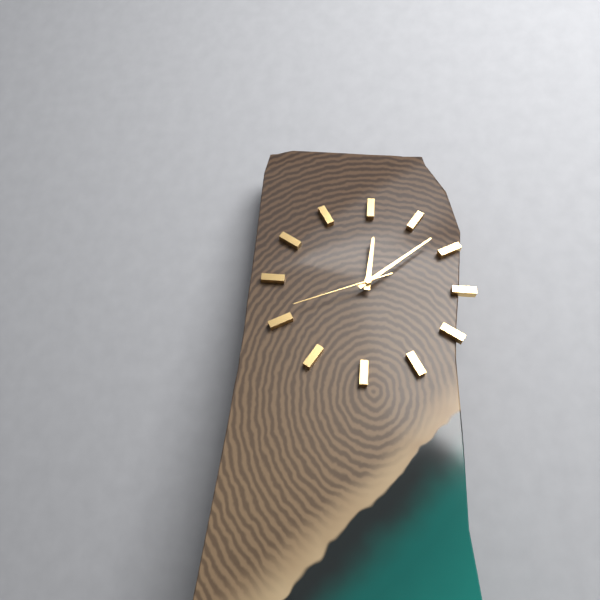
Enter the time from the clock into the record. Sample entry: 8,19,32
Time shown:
12,08,41
